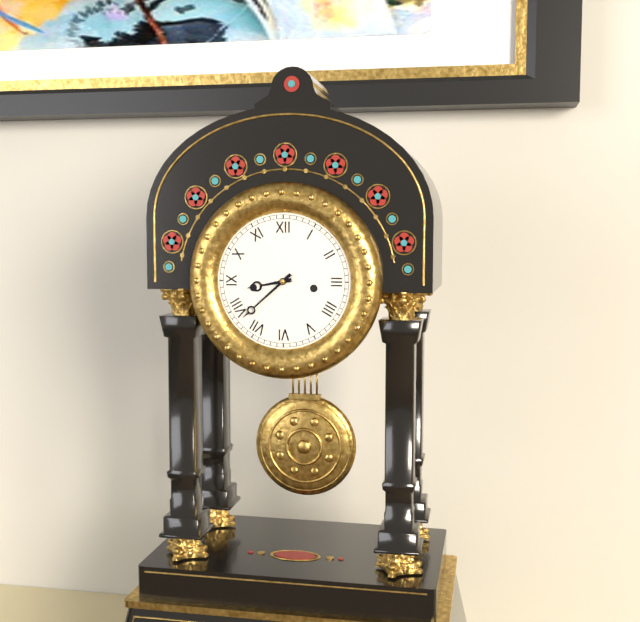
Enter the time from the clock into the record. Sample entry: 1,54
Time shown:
8,38
